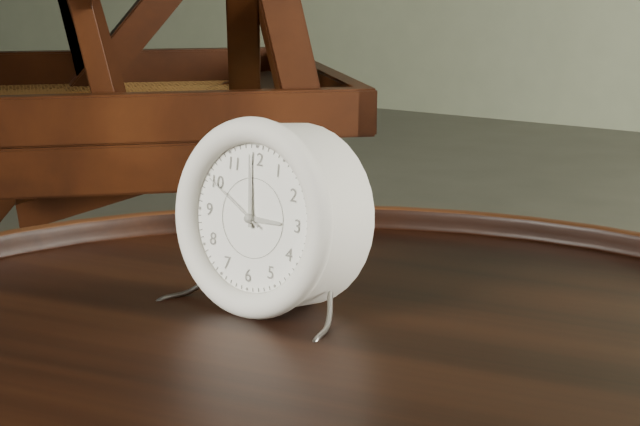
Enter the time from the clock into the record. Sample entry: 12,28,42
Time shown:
2,59,50
